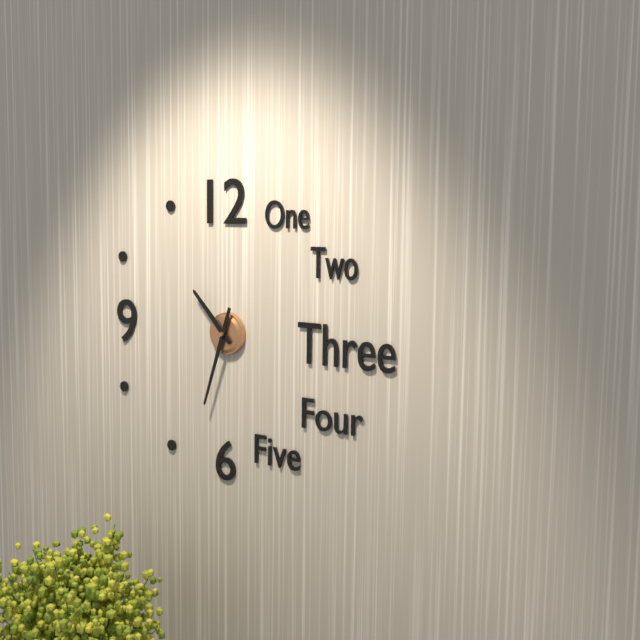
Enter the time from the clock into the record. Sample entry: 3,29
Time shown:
10,33
